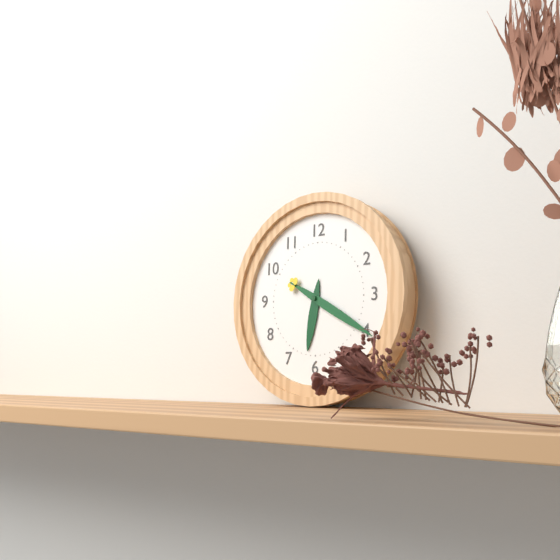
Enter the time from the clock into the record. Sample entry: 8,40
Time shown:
6,20
